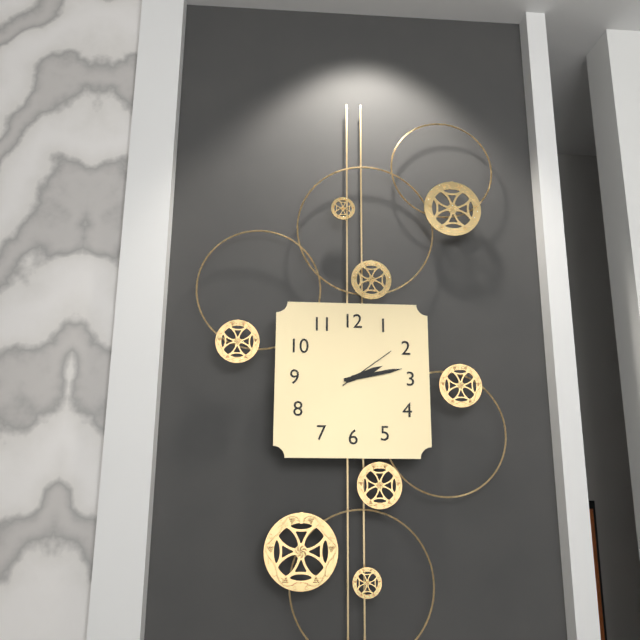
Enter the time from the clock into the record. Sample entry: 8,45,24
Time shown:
2,13,09
